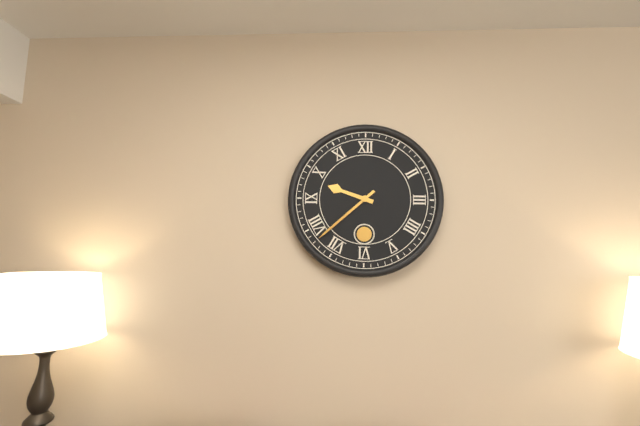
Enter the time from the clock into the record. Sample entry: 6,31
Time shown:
9,38
